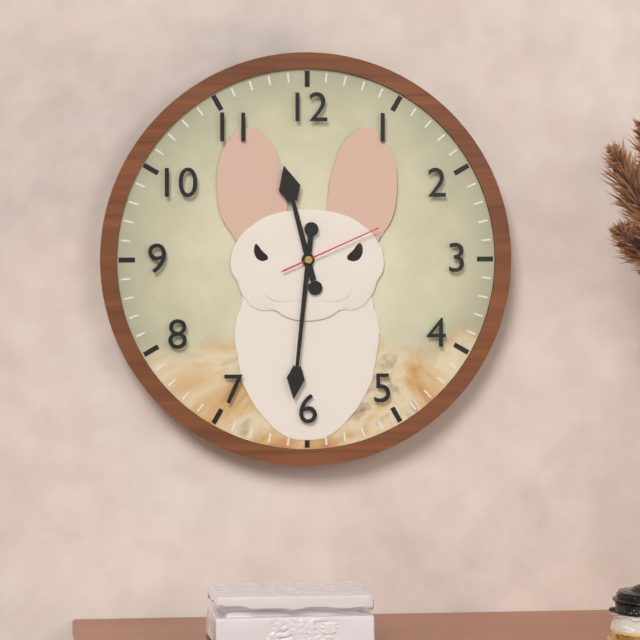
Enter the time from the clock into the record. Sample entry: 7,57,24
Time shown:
11,31,11
